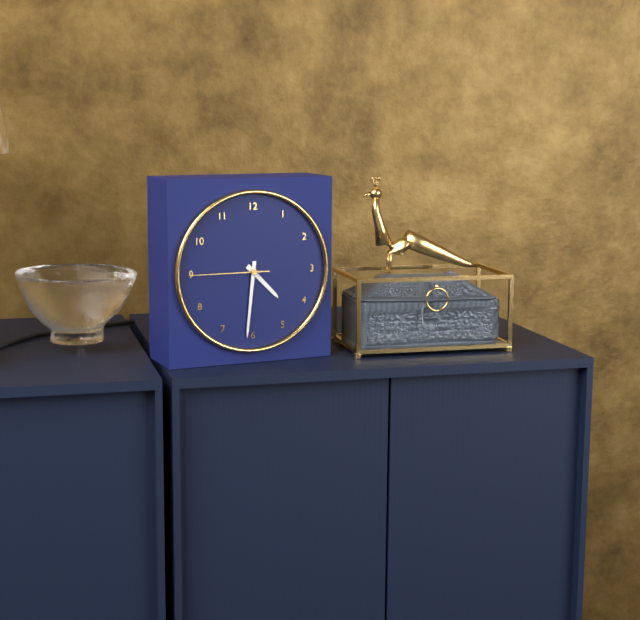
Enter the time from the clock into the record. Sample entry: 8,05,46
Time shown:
4,31,45
